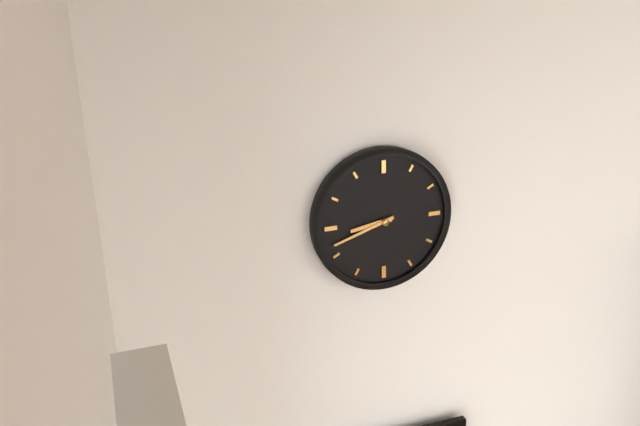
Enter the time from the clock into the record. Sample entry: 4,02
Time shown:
8,42
